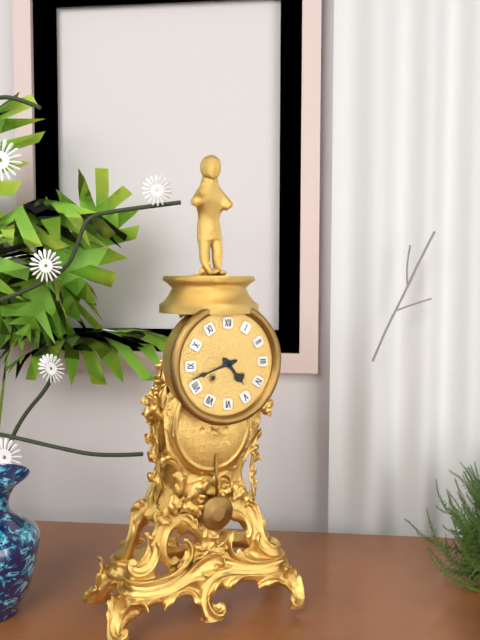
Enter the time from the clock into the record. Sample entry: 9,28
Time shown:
4,42
